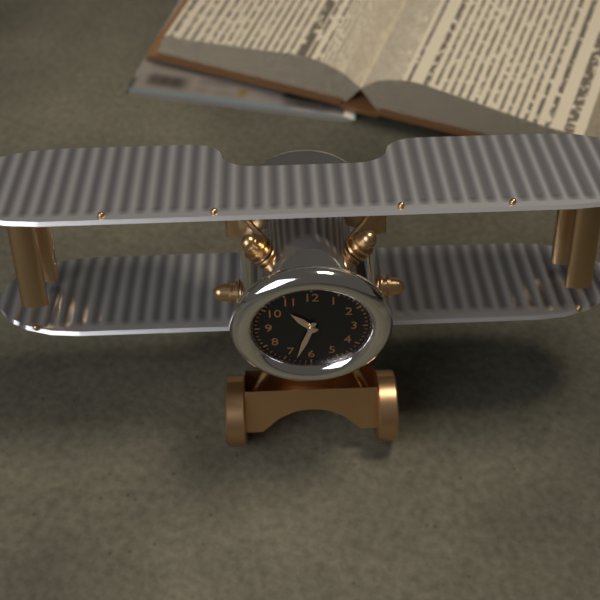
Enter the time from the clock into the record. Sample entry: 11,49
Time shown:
10,33
